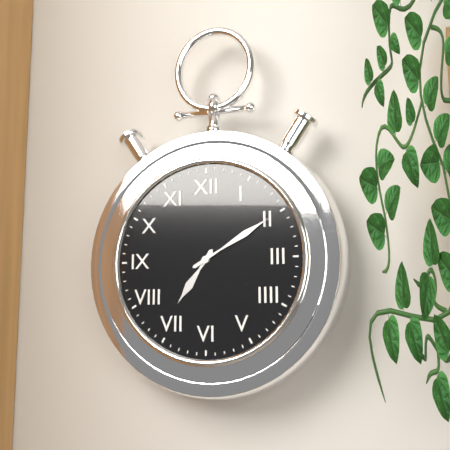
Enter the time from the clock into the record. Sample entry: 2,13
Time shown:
7,10
